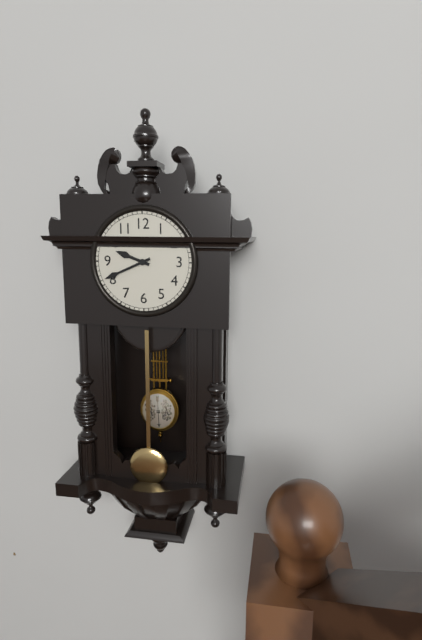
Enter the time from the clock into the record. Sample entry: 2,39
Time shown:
9,41
